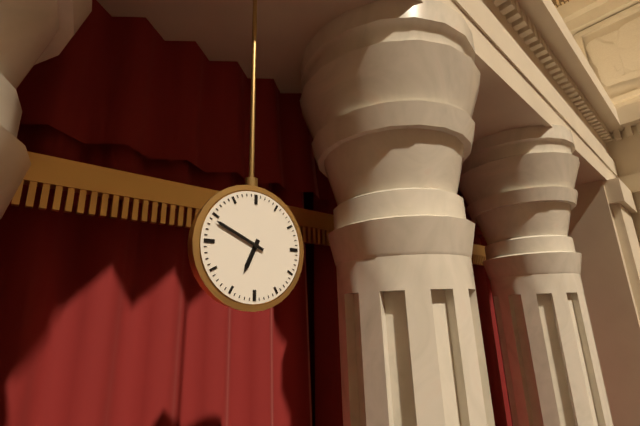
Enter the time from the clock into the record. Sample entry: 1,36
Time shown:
6,49
